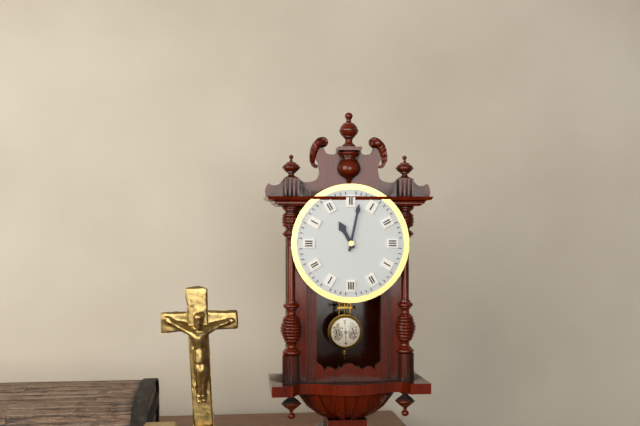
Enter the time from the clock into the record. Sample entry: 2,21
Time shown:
11,02
